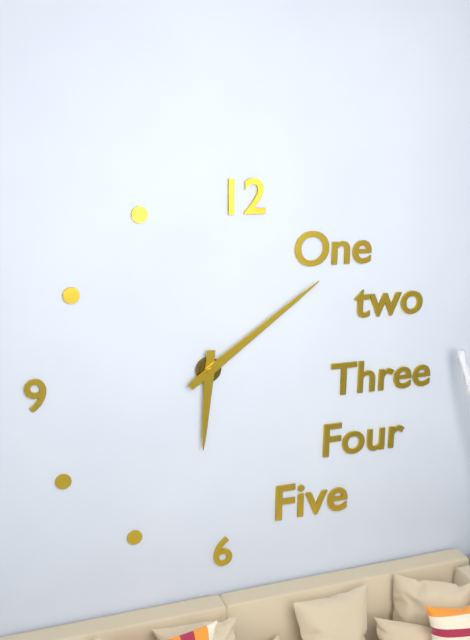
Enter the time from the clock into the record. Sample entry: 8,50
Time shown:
6,09
